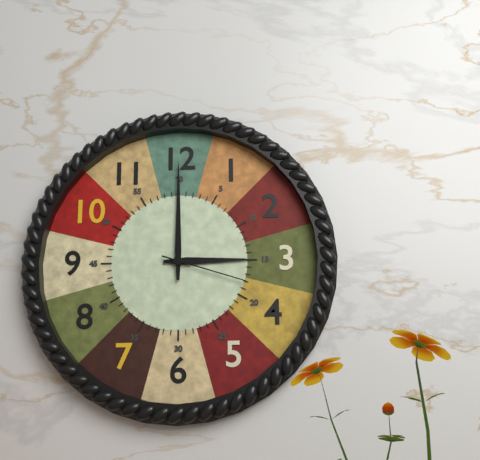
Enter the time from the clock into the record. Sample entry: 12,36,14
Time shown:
3,00,18
